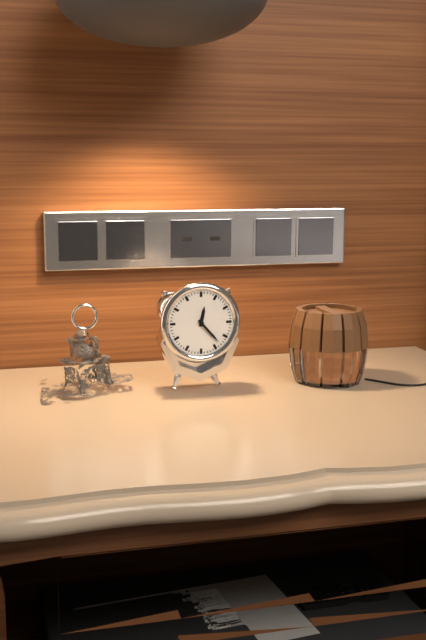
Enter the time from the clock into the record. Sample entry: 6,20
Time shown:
12,23
